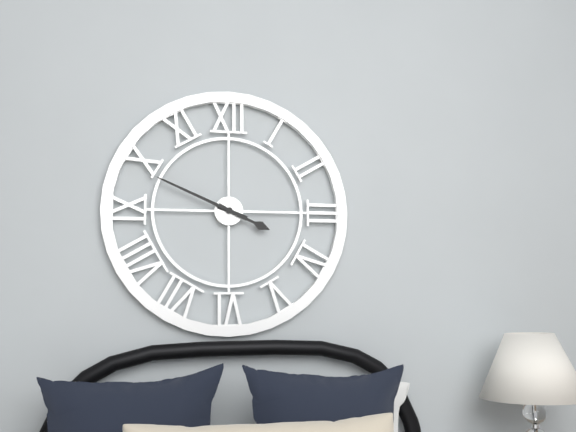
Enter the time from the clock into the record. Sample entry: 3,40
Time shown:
3,49
